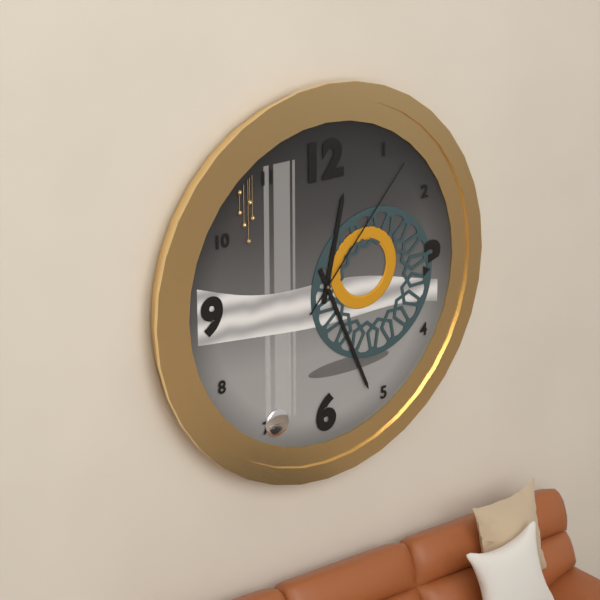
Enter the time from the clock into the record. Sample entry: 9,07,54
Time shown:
12,26,07
